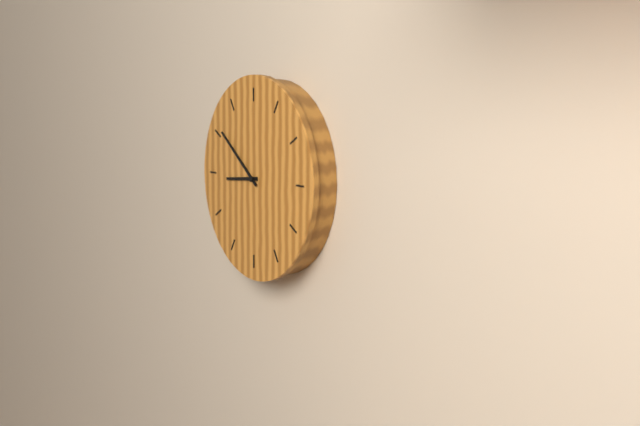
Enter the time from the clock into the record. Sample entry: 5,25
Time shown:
8,51
